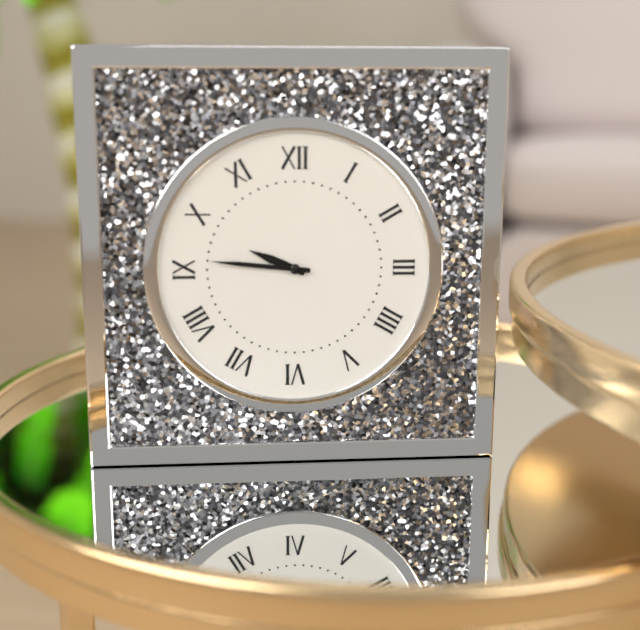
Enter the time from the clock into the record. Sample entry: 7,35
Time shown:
9,46
